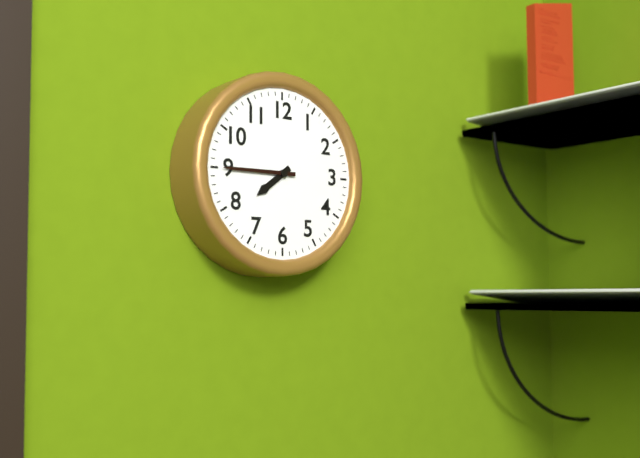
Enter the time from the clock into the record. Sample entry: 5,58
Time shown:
7,45
